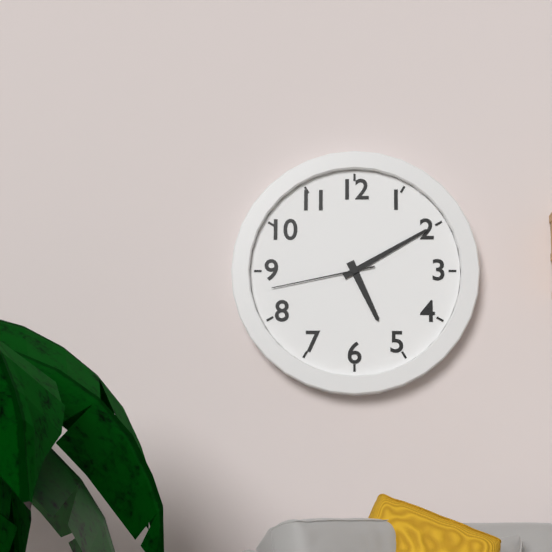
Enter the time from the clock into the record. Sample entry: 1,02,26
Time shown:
5,10,43
